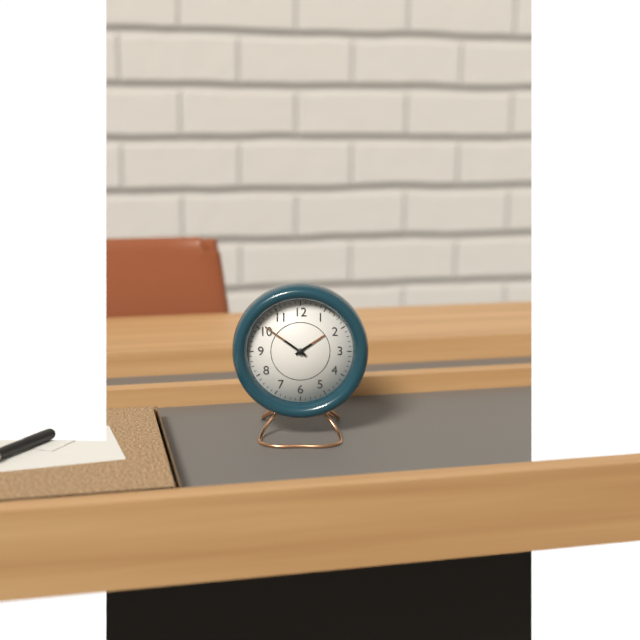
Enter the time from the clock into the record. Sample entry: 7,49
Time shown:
1,51
